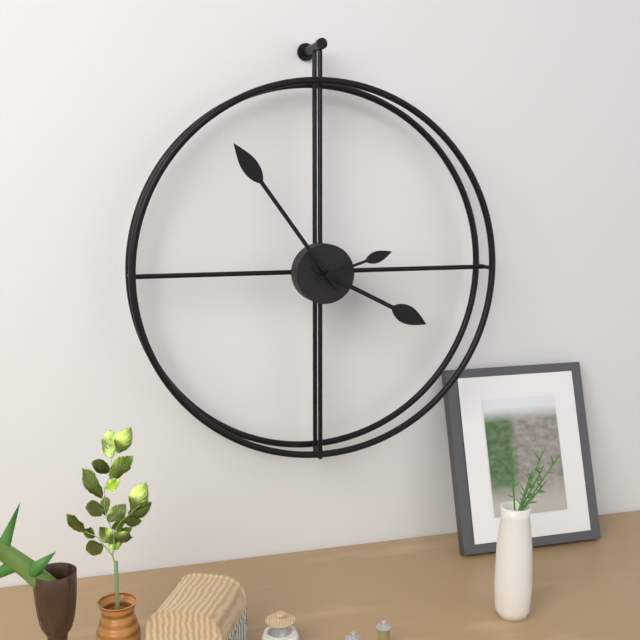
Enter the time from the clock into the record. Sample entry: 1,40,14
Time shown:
3,54,12
